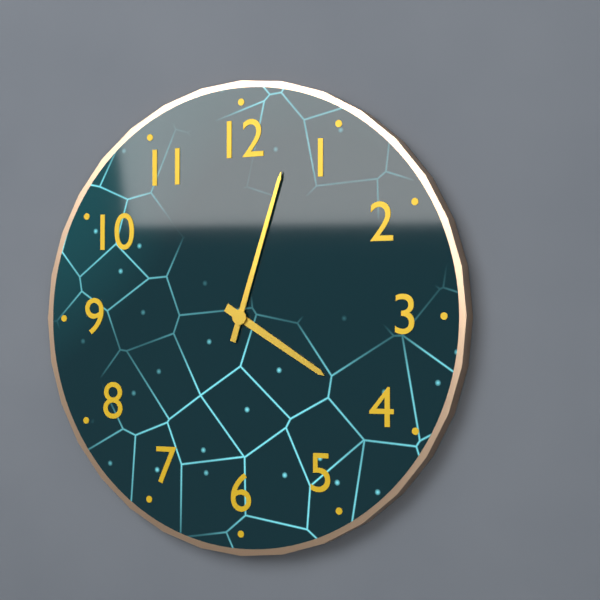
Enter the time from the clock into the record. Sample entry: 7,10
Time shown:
4,03
